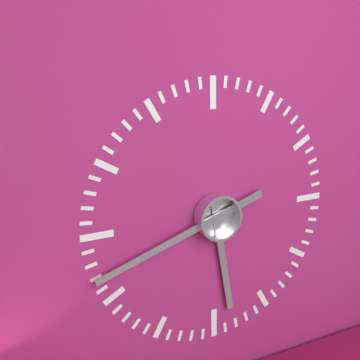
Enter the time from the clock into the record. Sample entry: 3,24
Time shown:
5,42
